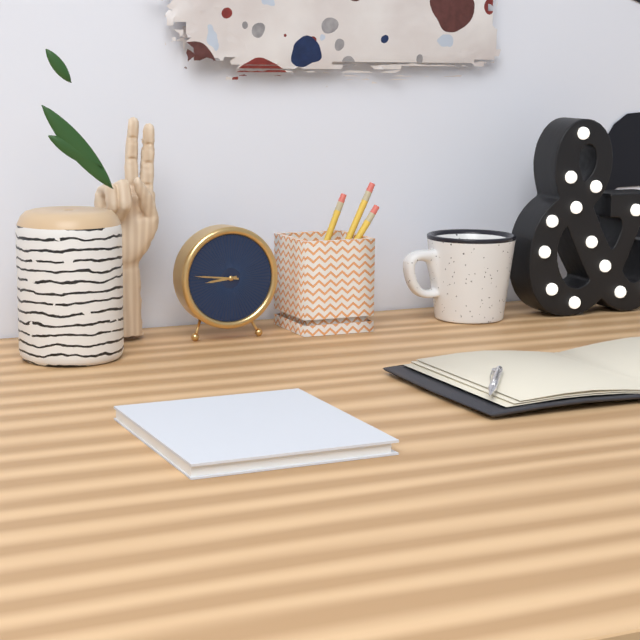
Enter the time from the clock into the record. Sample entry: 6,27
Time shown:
8,46
